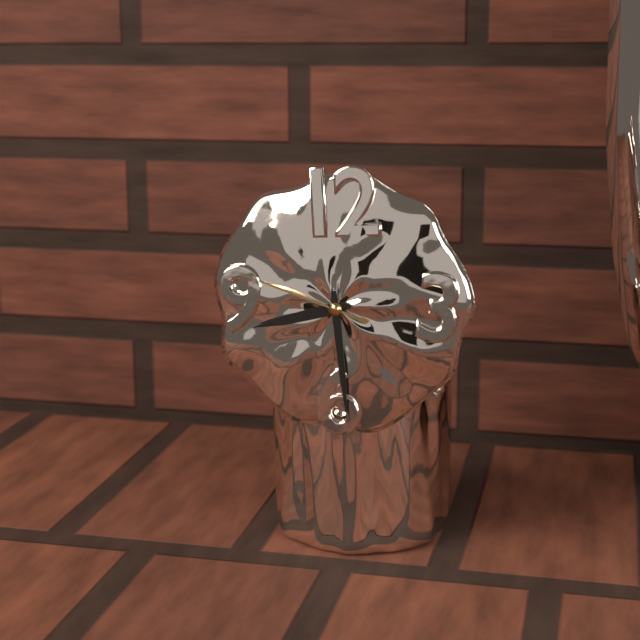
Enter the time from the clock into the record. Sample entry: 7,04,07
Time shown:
8,29,48
